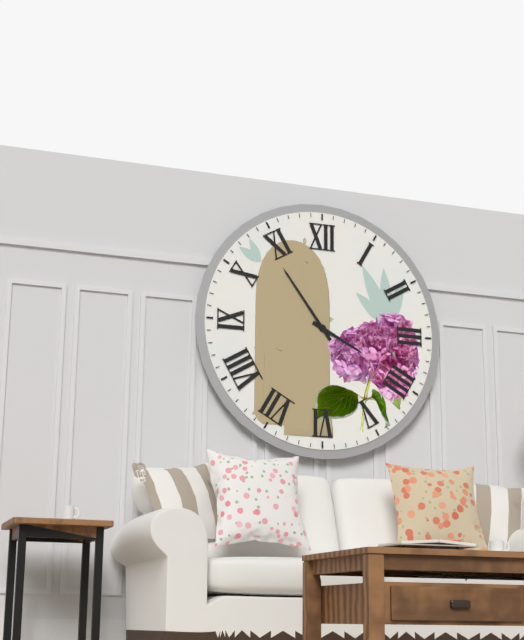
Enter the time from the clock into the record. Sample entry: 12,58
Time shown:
3,54
